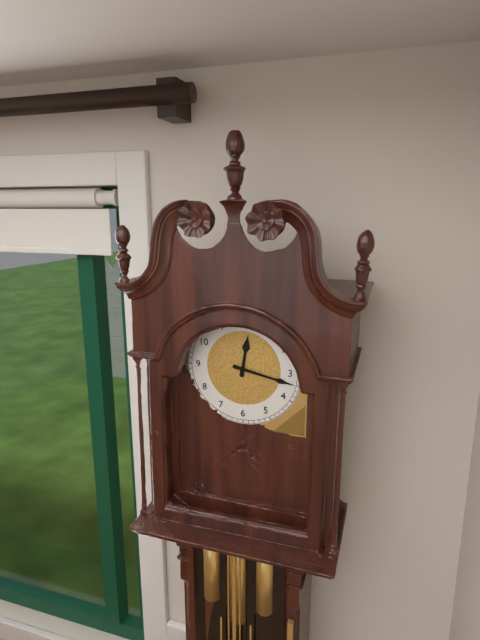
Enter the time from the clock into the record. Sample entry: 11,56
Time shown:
12,17
